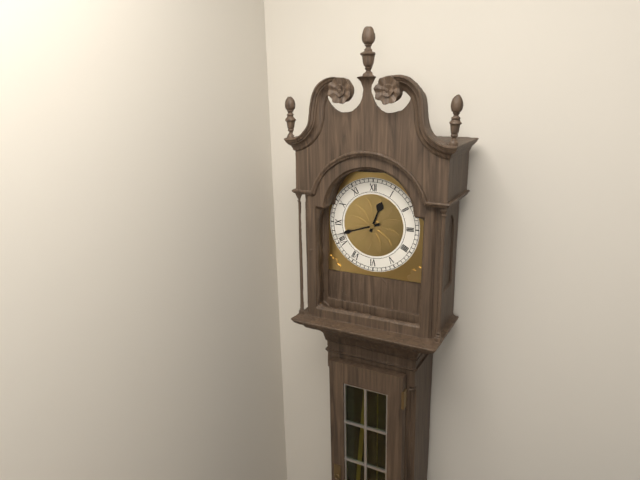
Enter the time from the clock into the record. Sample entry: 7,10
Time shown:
12,42
